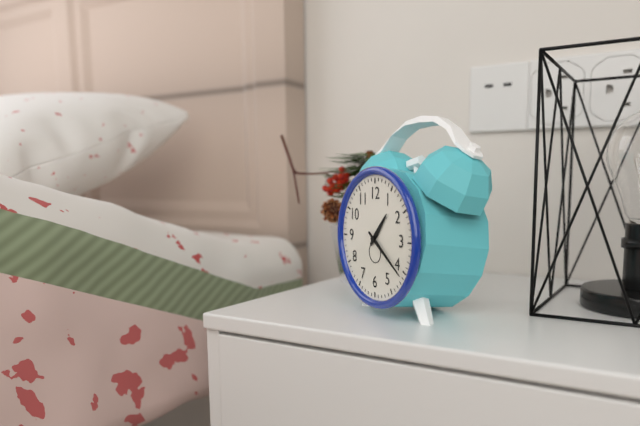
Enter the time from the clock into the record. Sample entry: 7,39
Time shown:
1,21
